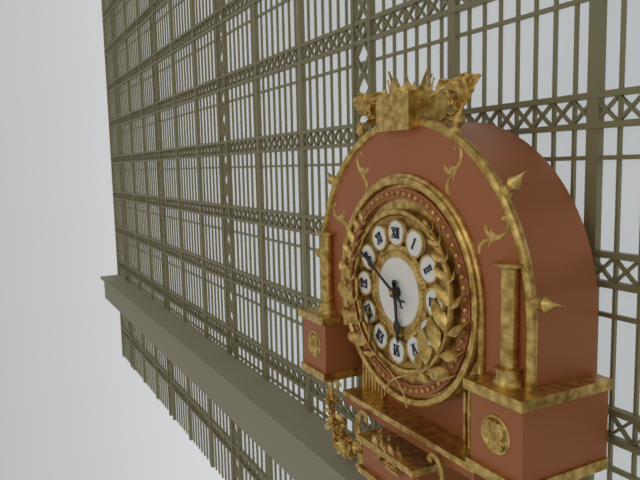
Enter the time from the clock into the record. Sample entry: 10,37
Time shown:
5,50
